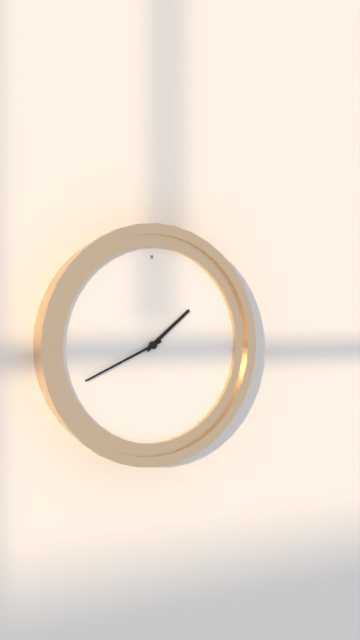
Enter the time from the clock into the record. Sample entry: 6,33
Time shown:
1,41
